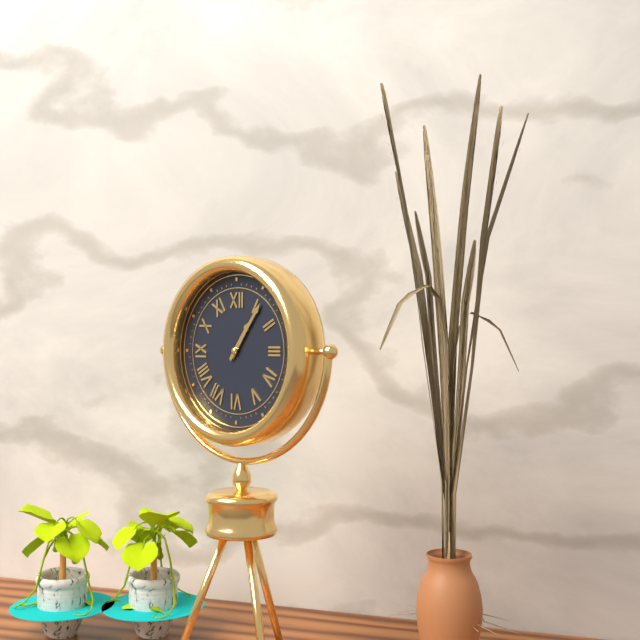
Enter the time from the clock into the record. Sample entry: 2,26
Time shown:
1,06
